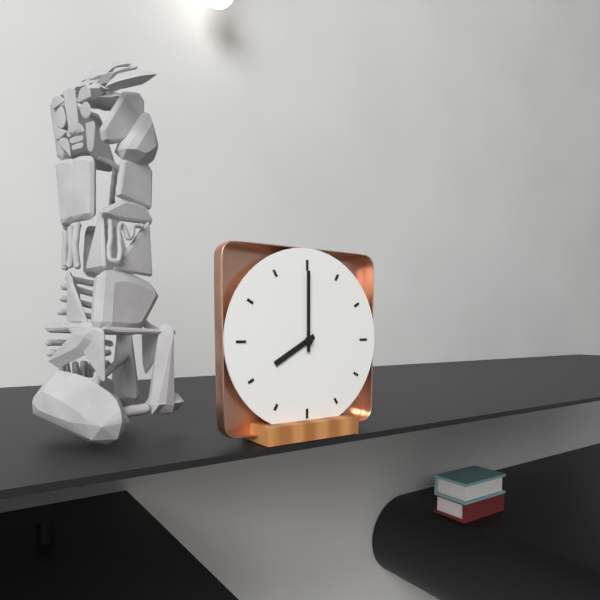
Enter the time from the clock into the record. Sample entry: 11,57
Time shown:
8,00
